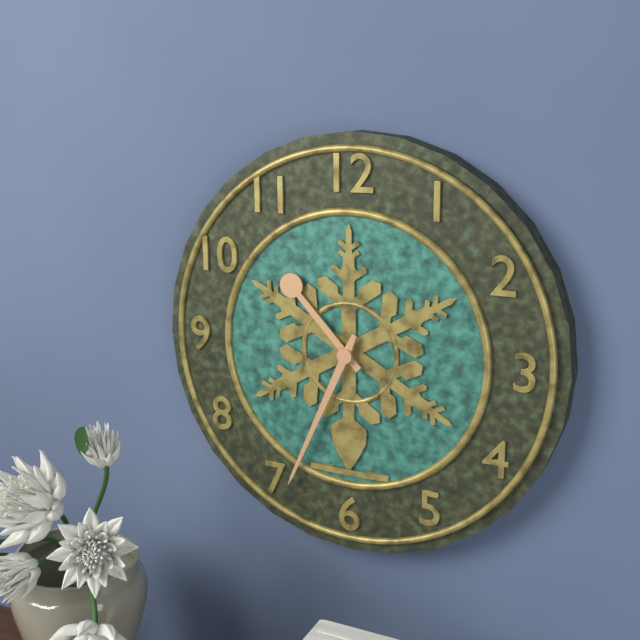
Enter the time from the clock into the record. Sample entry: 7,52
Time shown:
10,34
